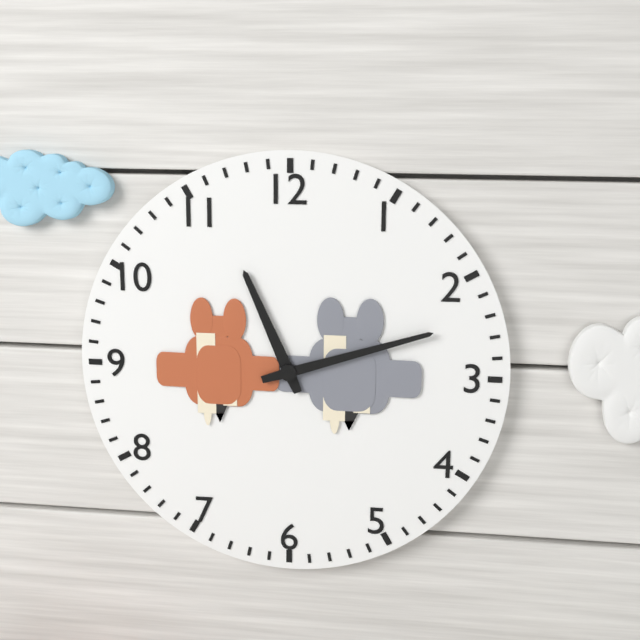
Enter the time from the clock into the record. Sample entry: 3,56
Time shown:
11,12
